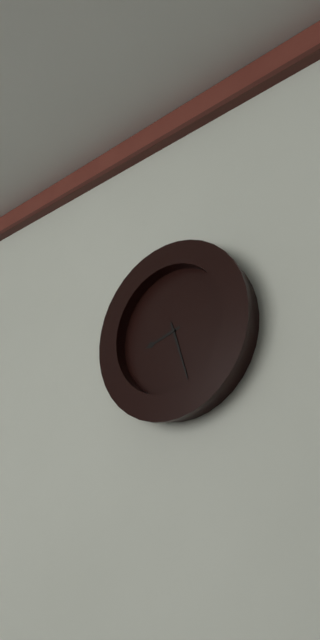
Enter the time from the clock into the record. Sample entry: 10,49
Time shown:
8,27
